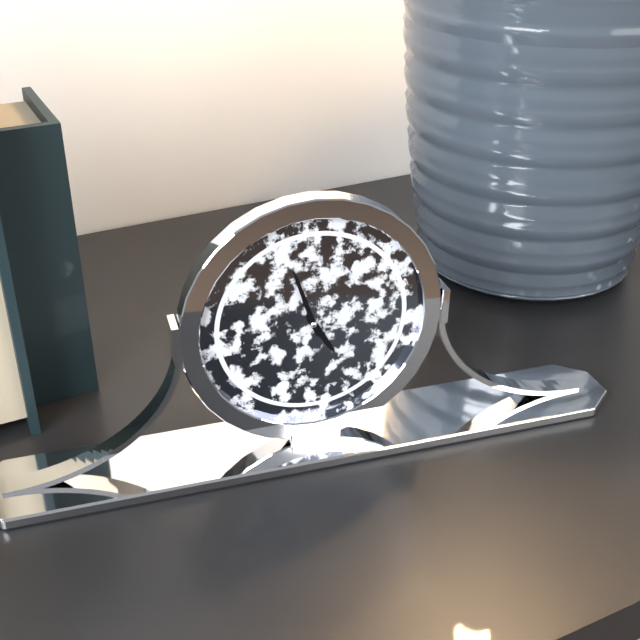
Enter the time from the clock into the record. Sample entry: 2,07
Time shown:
4,57
